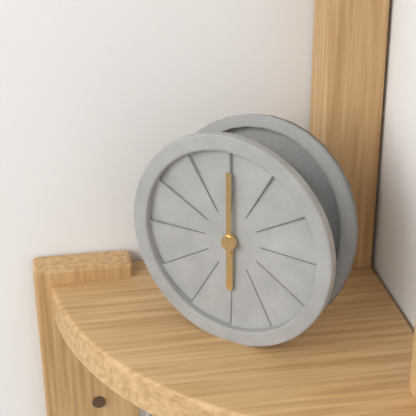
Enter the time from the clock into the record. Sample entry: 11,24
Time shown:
6,00
